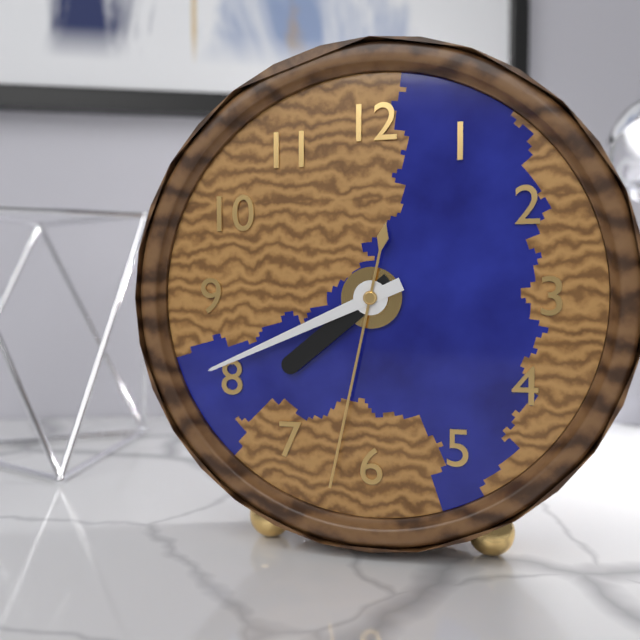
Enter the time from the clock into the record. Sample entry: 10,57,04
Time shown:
7,41,32
